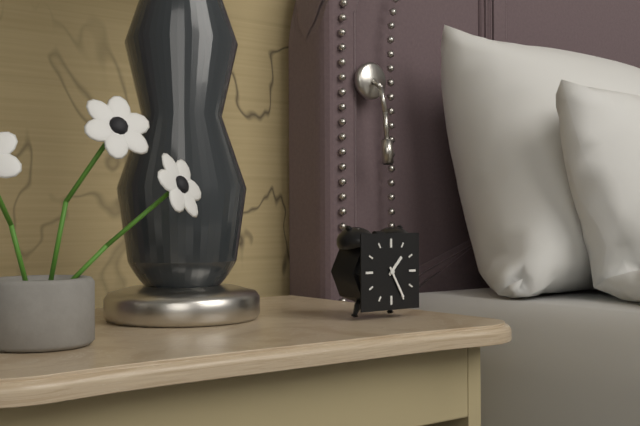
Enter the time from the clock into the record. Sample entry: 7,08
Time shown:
1,25
